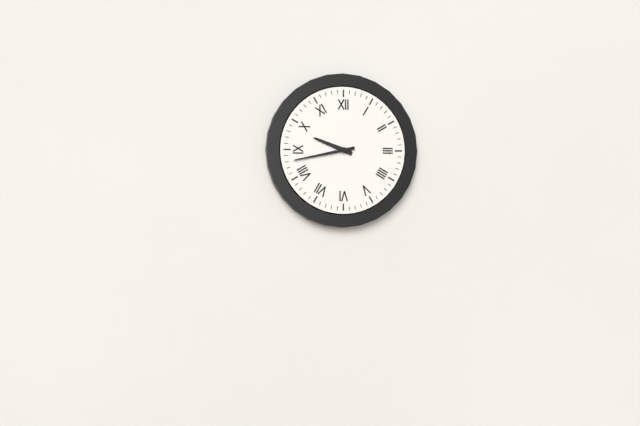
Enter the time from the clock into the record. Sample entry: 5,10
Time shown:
9,43
